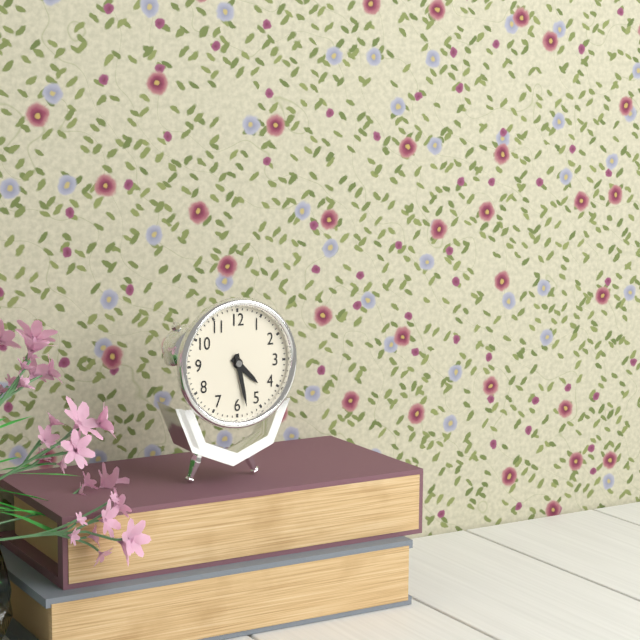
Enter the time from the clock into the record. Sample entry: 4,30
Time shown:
4,28
